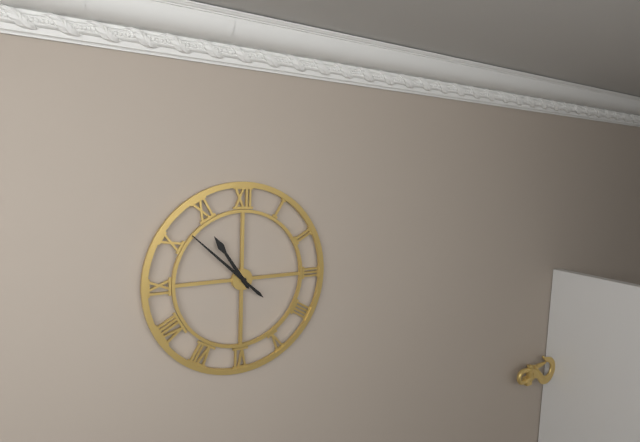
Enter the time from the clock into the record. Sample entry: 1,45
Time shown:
10,52
